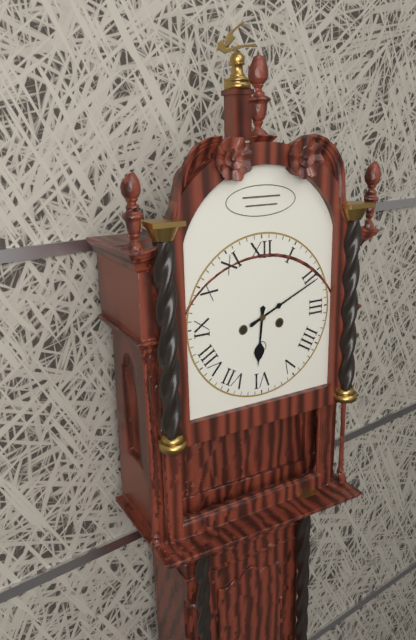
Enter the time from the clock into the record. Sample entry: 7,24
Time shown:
6,11
